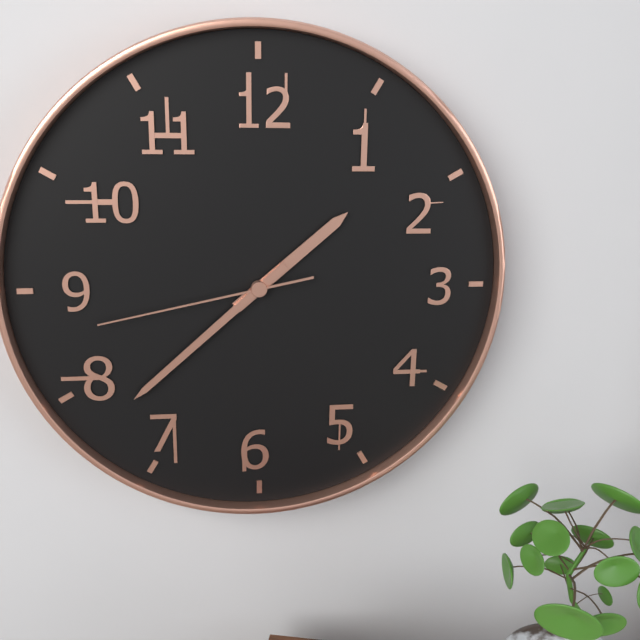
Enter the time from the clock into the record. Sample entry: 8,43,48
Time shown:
1,38,43
